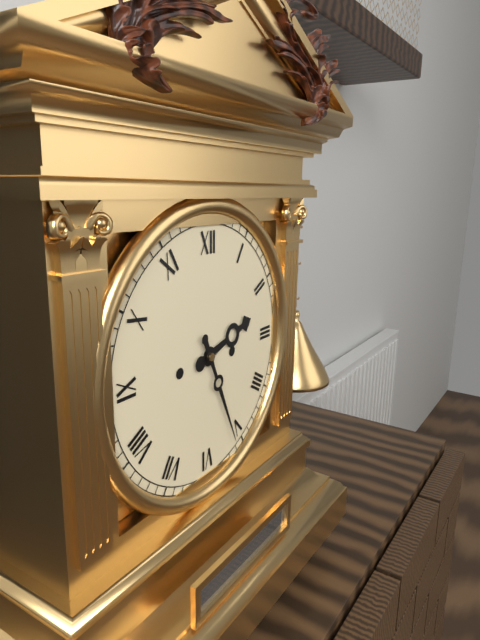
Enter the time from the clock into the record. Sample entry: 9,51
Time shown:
2,26
